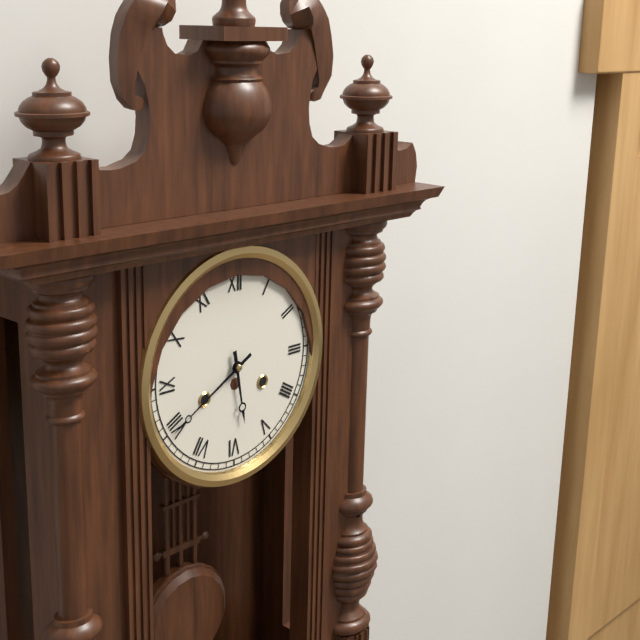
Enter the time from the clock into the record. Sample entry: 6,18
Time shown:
5,40
